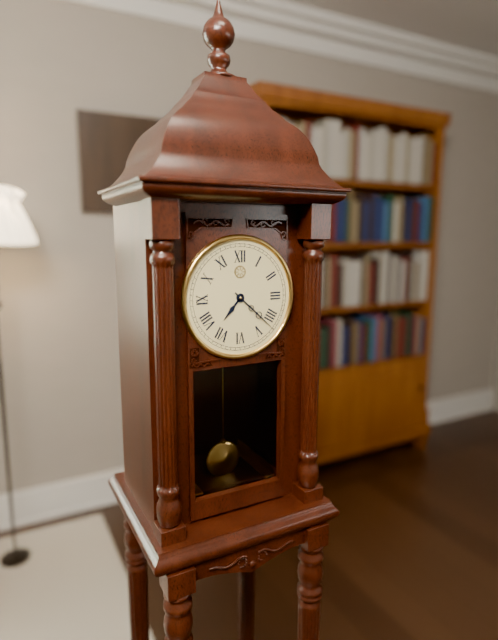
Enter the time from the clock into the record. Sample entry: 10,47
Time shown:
7,22
